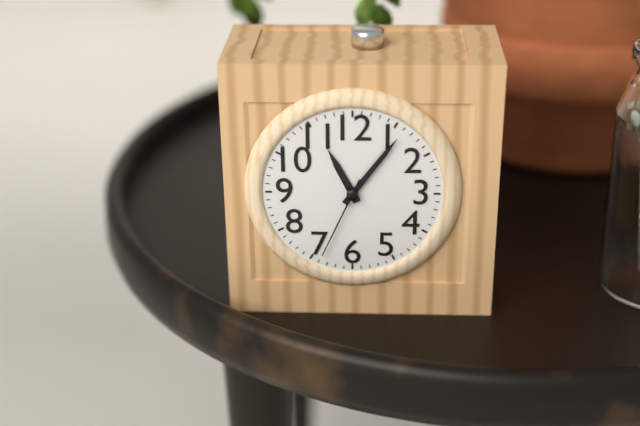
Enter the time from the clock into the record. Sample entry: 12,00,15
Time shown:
11,06,34
